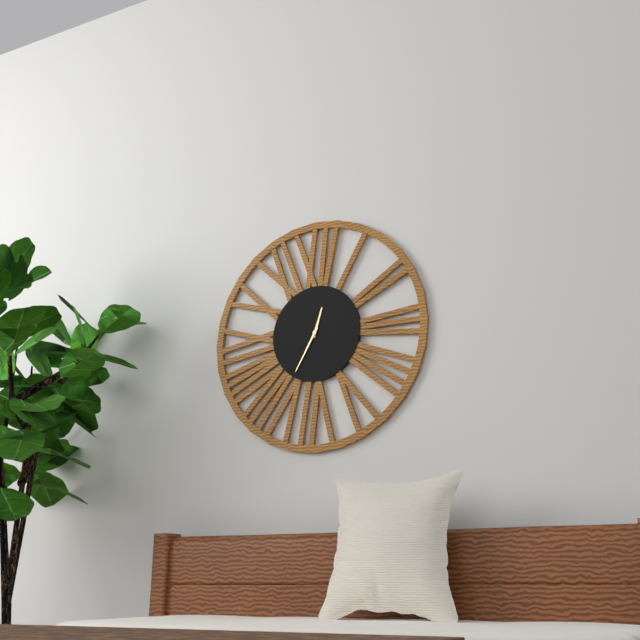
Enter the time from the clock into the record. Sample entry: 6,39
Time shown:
12,35
